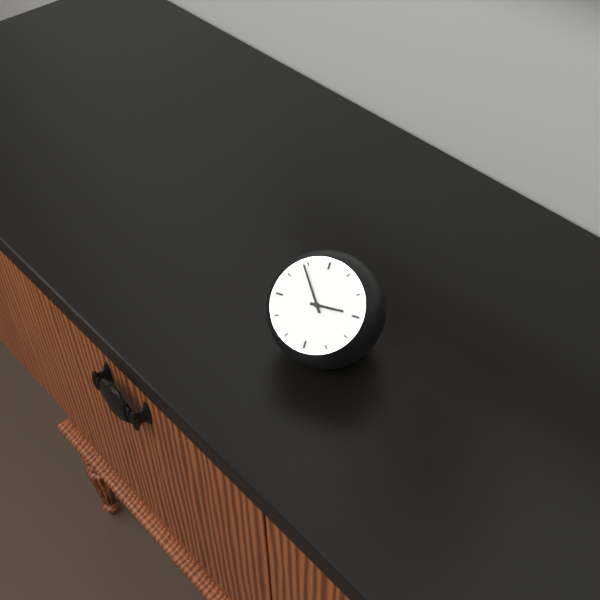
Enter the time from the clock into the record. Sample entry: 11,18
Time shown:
2,54
